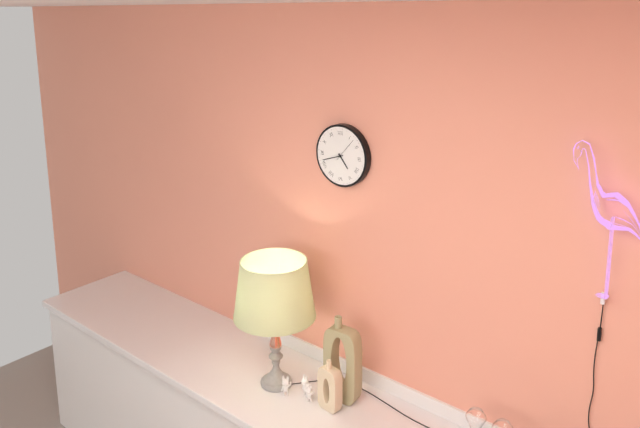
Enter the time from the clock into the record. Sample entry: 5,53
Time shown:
4,42
